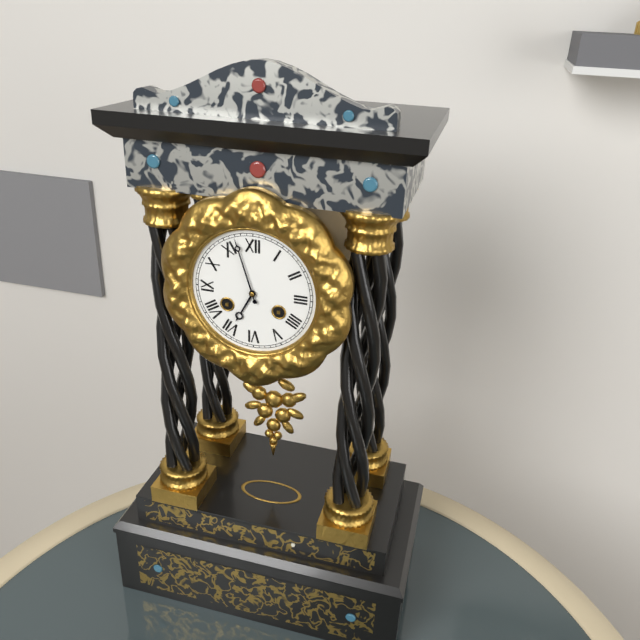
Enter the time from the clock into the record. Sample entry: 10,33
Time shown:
6,57
